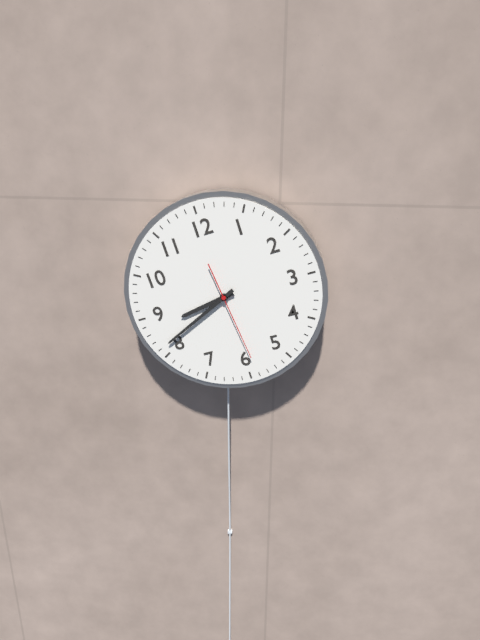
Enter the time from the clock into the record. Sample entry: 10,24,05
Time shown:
8,41,29
